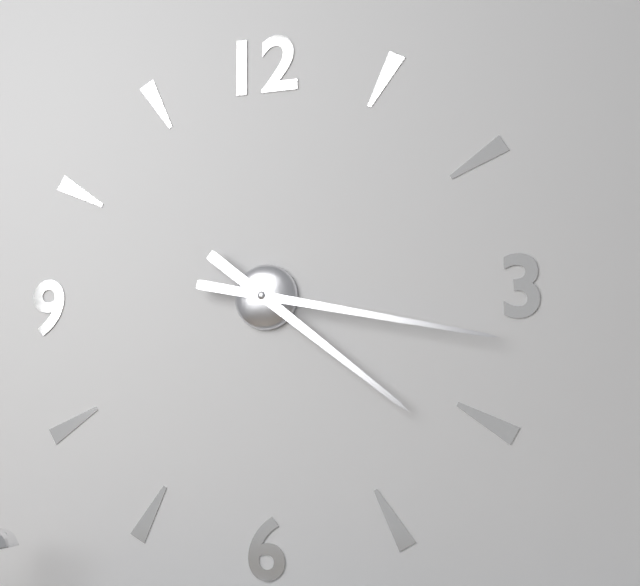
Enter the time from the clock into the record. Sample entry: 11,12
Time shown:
4,17
